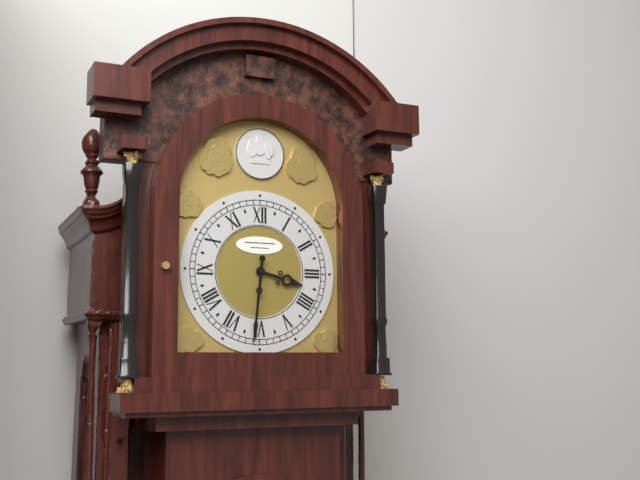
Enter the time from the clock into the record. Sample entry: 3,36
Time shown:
3,31
